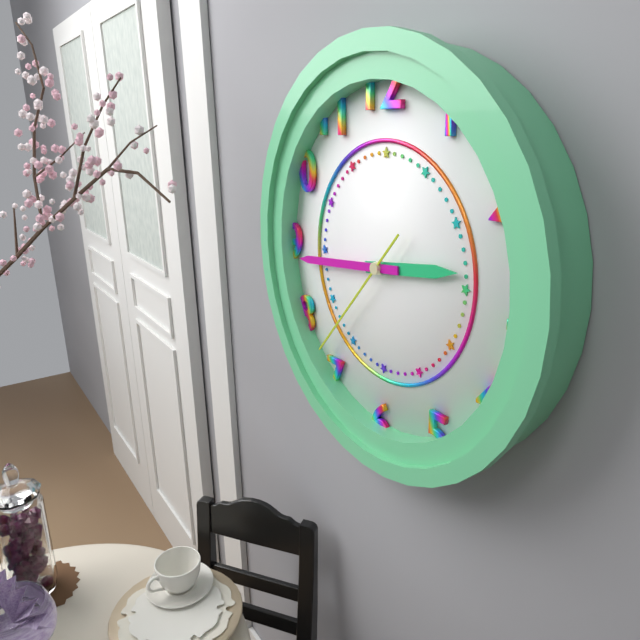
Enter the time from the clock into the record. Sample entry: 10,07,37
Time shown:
2,44,37
